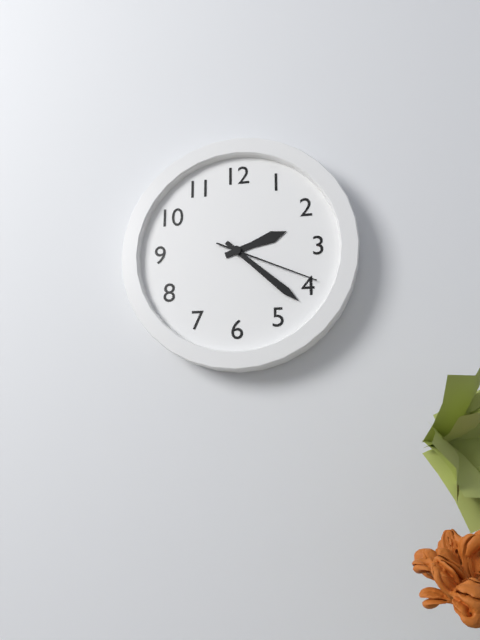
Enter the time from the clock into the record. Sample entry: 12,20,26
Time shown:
2,22,19
